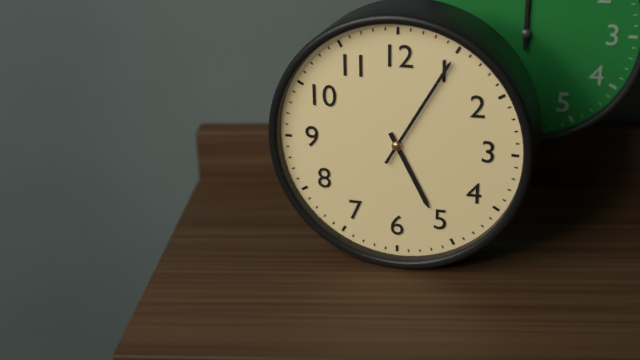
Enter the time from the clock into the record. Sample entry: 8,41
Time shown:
5,05
